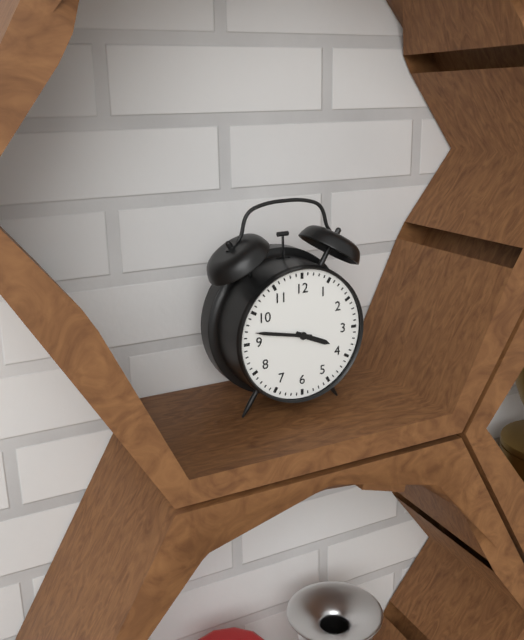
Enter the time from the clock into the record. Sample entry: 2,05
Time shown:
3,47
